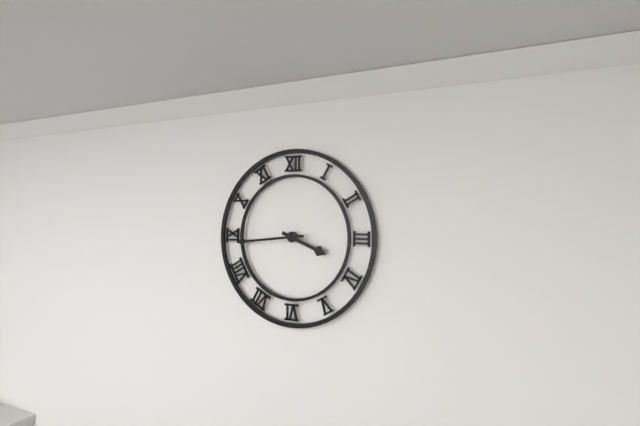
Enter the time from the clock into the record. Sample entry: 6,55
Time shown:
3,44
